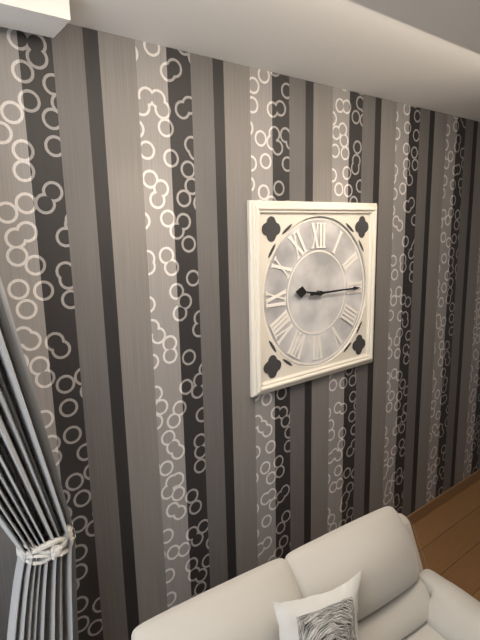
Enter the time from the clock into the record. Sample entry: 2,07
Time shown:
9,15
